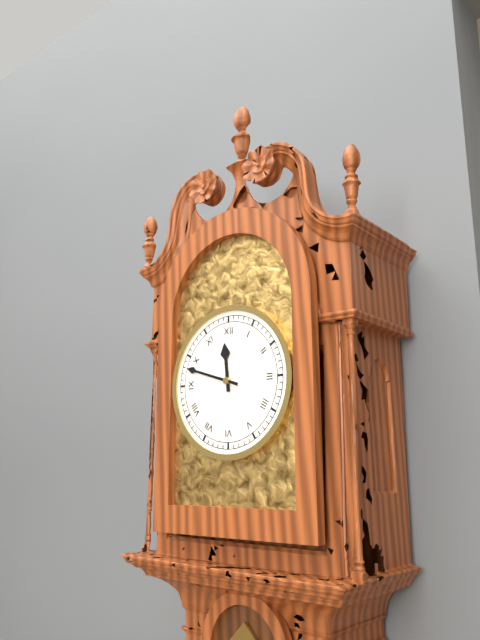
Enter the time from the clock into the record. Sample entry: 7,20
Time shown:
11,48
